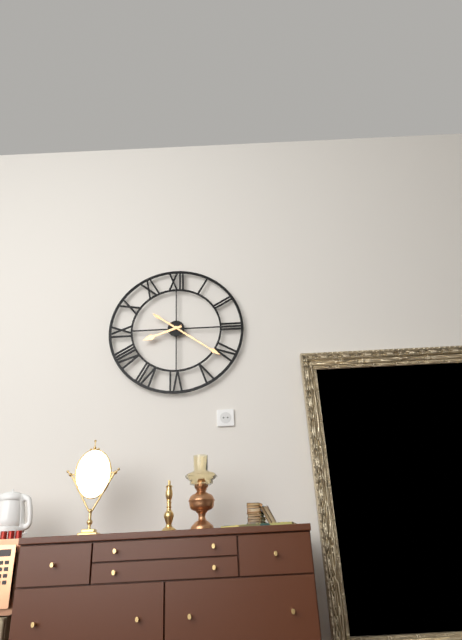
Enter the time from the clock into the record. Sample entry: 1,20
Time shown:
8,21
